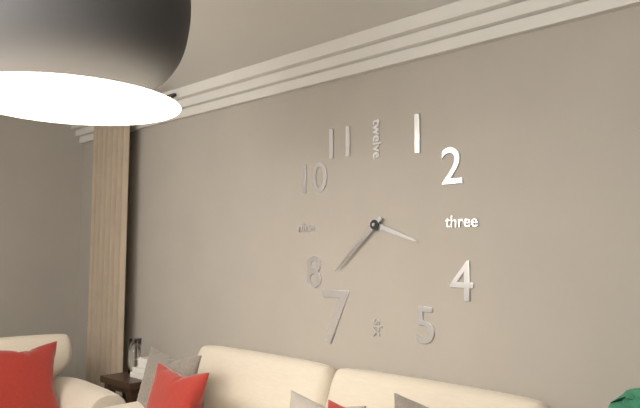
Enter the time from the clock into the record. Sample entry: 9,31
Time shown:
3,38
